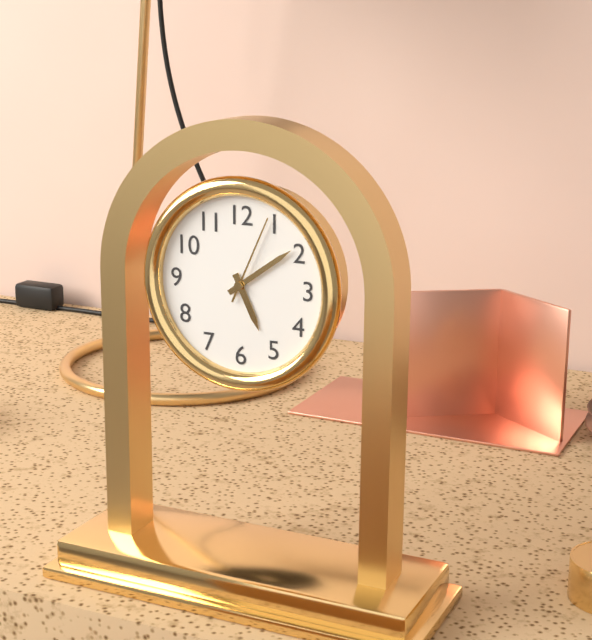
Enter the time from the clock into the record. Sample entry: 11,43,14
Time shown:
5,09,04
